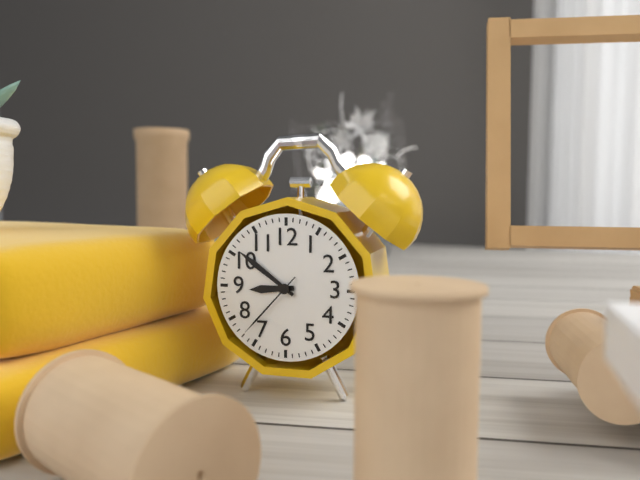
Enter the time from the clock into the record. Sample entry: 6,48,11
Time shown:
8,51,37
